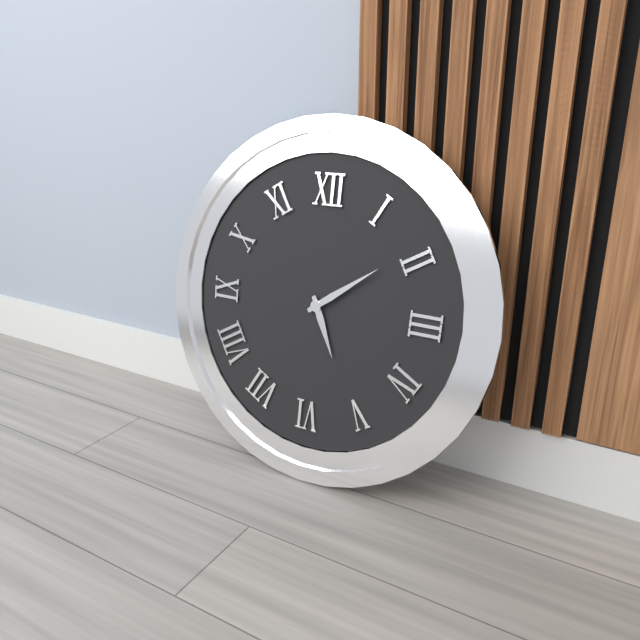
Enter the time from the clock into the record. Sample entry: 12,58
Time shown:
5,09
